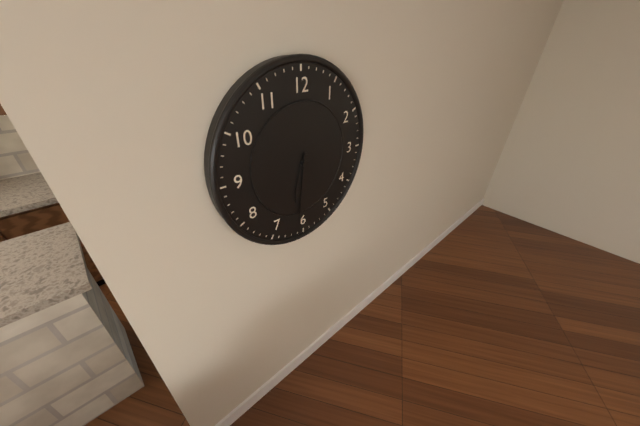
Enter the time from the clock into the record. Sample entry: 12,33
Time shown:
6,31
